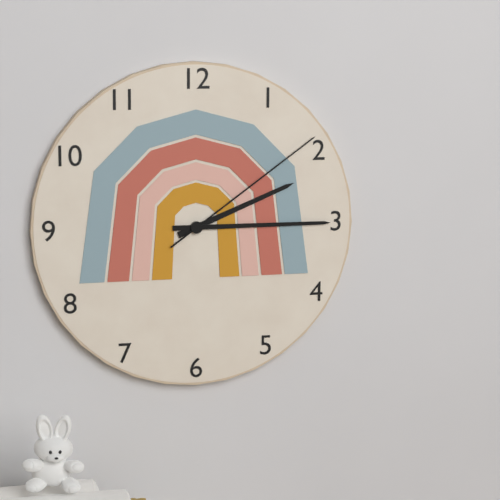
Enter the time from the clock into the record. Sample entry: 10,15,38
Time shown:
2,15,09
